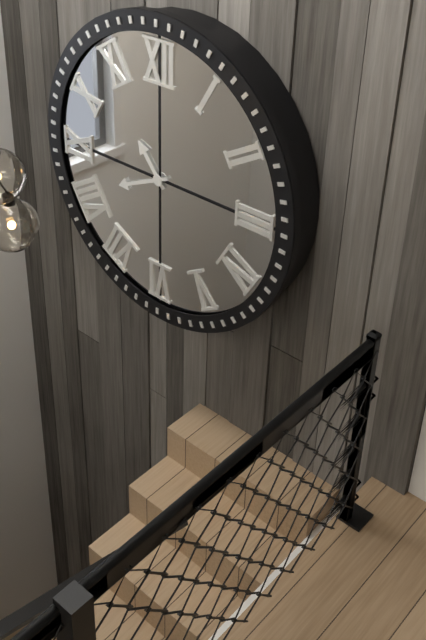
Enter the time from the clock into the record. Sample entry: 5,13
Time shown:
10,41
